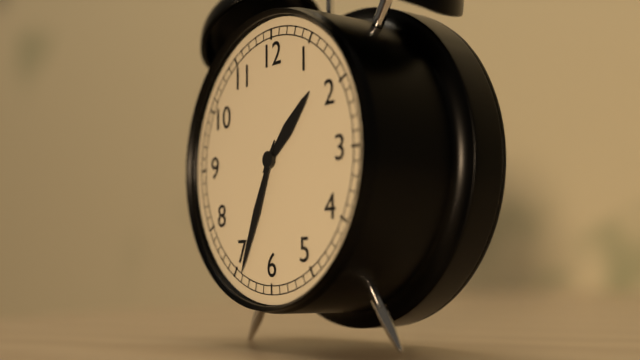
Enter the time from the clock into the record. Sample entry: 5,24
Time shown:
1,34
